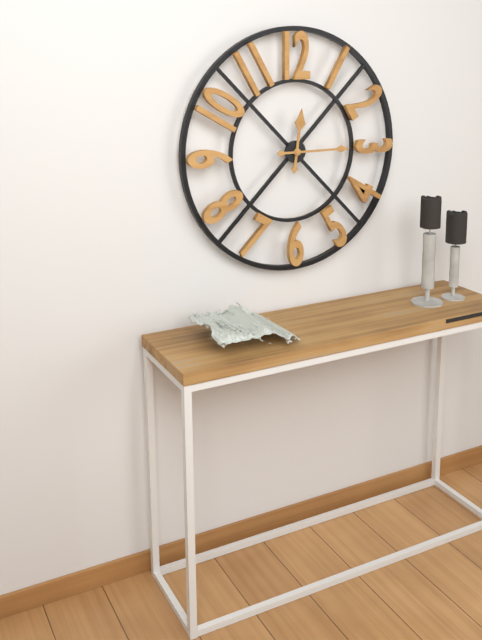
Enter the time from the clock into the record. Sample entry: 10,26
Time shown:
12,15
